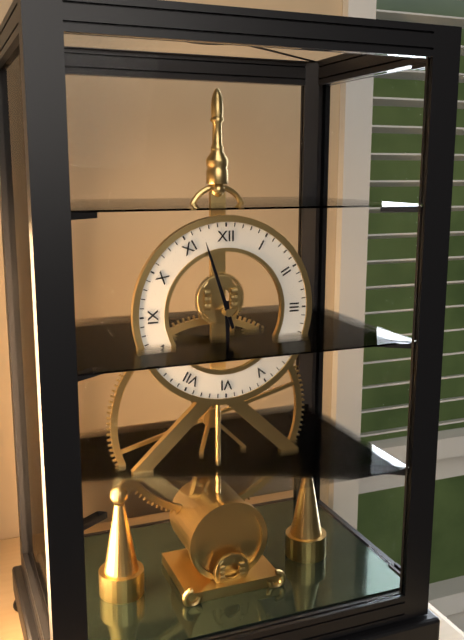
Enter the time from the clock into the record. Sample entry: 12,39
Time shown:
5,57
